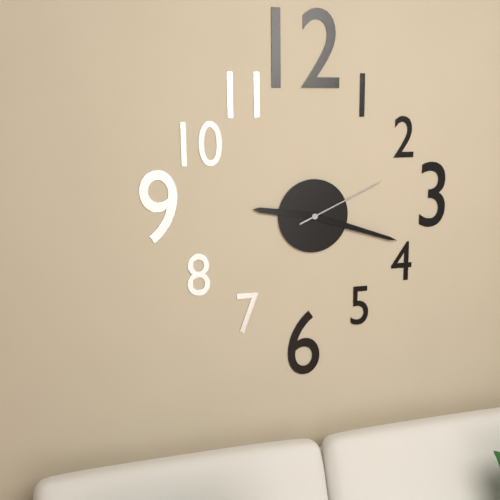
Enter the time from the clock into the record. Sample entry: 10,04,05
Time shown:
9,18,11
